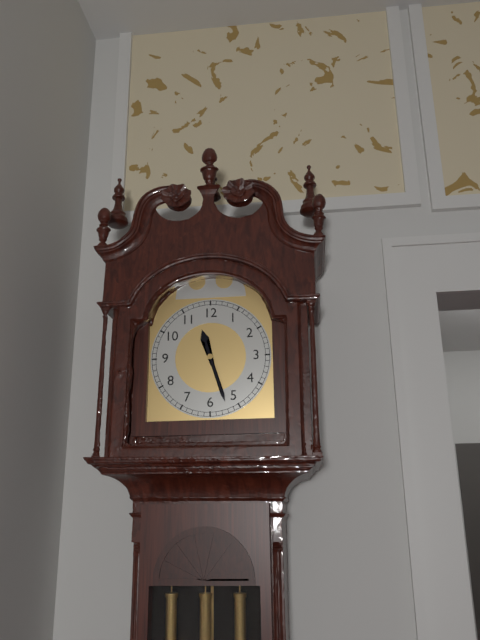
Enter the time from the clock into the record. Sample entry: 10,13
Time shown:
11,27
